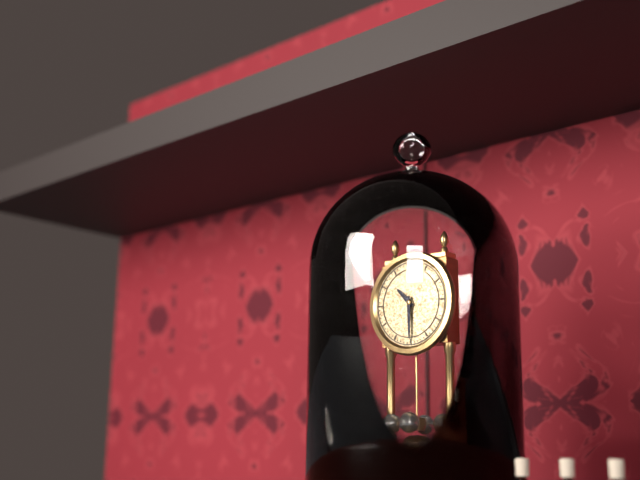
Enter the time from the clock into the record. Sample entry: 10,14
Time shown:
10,30
